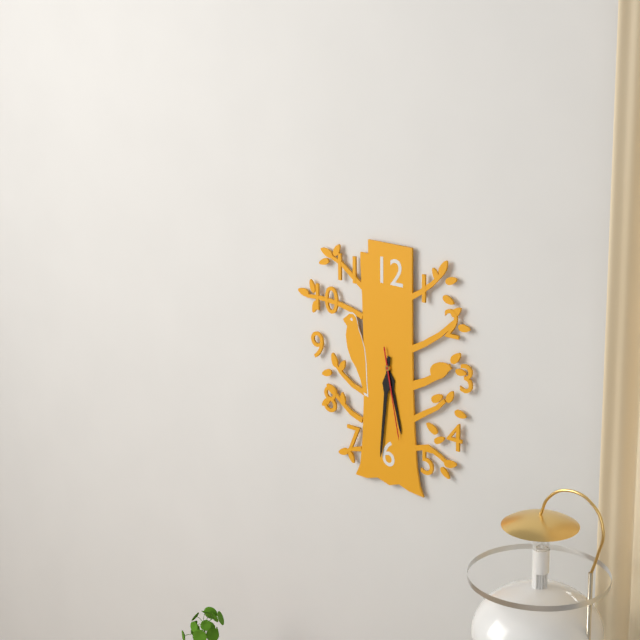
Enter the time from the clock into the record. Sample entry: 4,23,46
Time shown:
5,31,28
